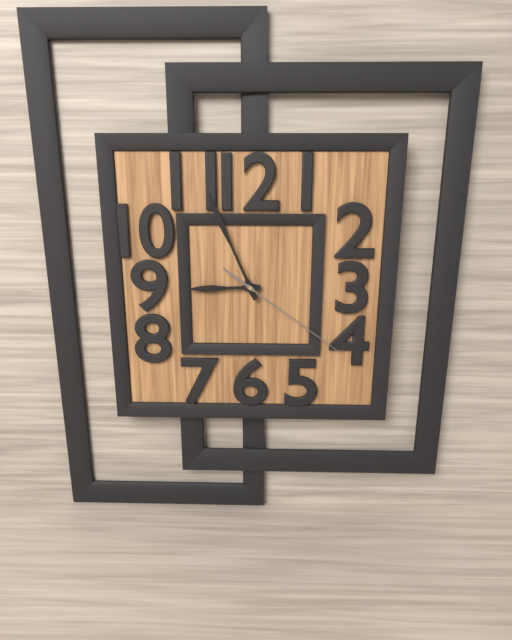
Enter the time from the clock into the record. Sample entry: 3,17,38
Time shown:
8,56,21
